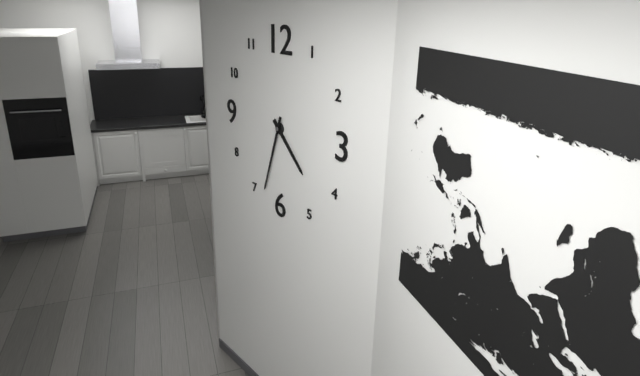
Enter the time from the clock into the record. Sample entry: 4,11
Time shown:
4,33
